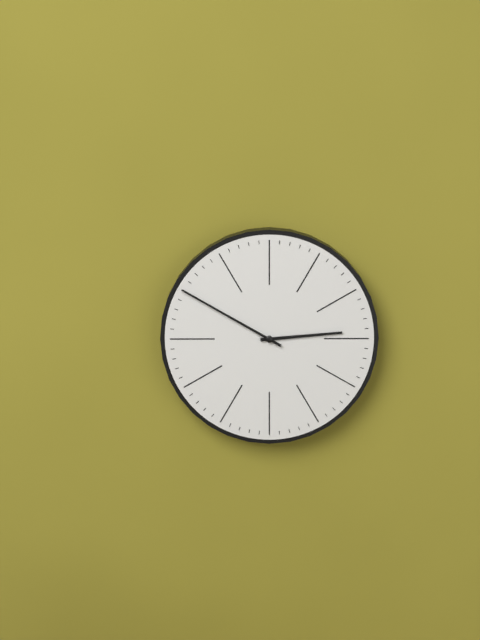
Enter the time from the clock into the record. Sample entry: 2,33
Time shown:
2,50
